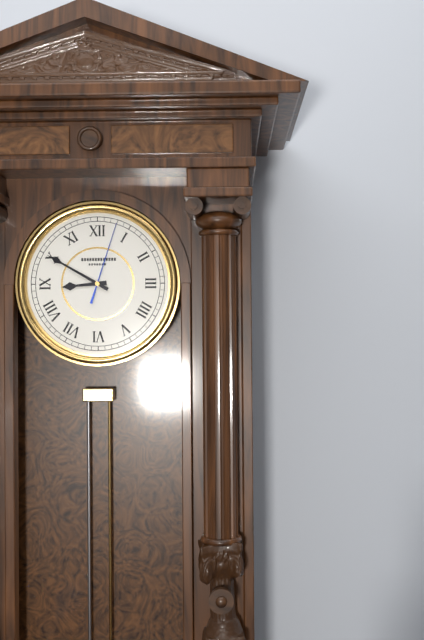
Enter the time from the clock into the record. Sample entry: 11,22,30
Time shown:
8,50,03
